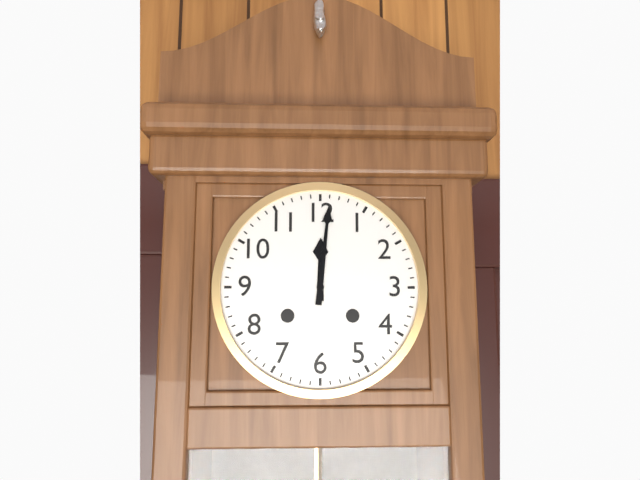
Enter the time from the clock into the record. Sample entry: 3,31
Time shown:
12,01
